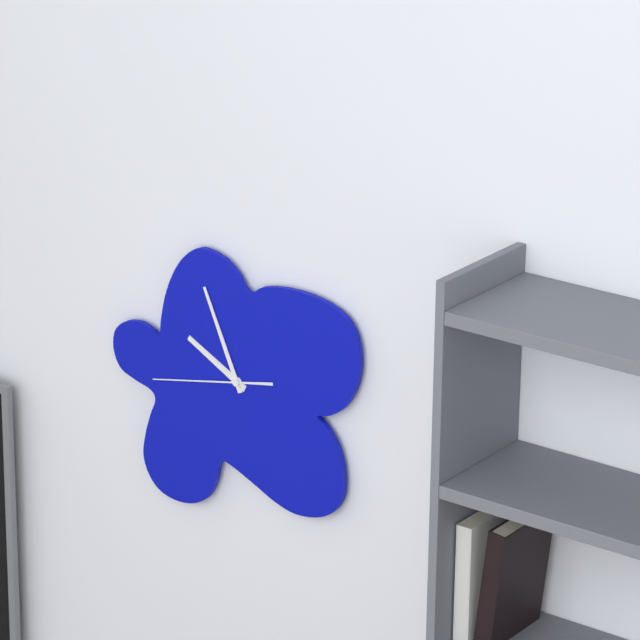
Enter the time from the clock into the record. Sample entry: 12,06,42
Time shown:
9,56,43
